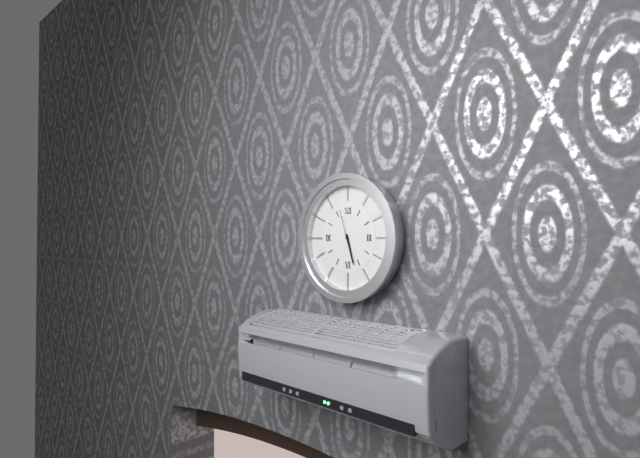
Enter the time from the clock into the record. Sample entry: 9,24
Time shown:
5,27
